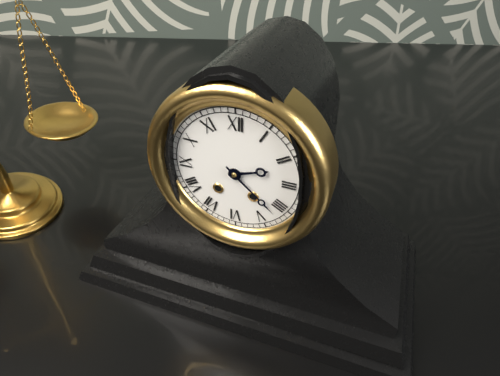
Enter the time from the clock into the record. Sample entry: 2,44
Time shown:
2,22
